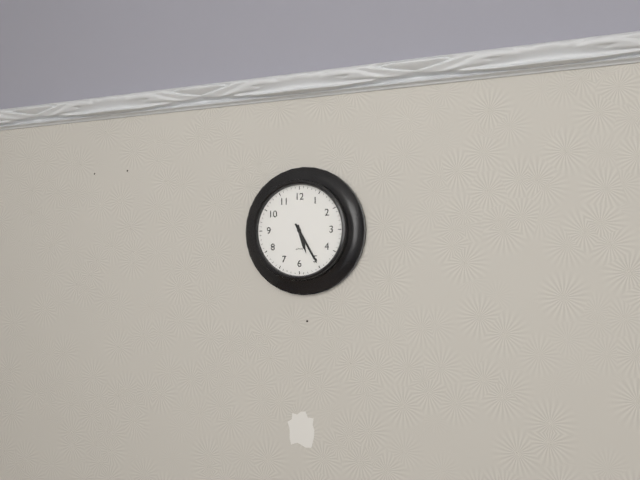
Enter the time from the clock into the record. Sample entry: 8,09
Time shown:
5,25
